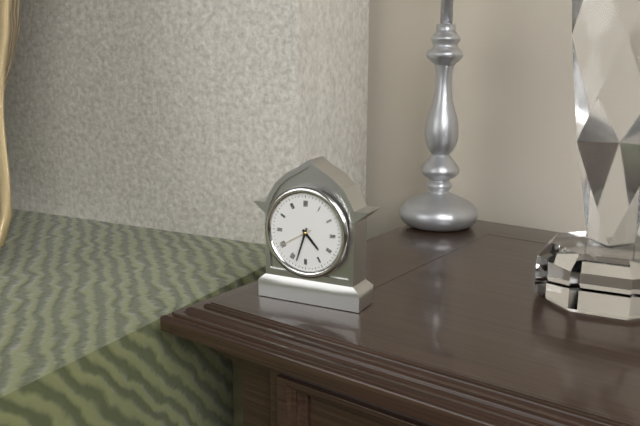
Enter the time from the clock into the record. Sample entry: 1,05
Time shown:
4,33
